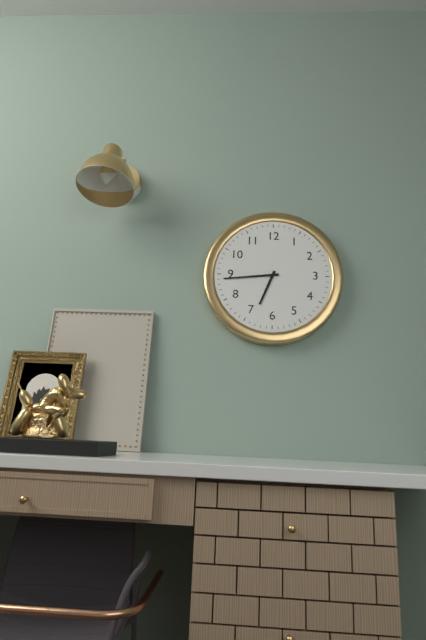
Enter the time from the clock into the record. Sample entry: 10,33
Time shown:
6,44
